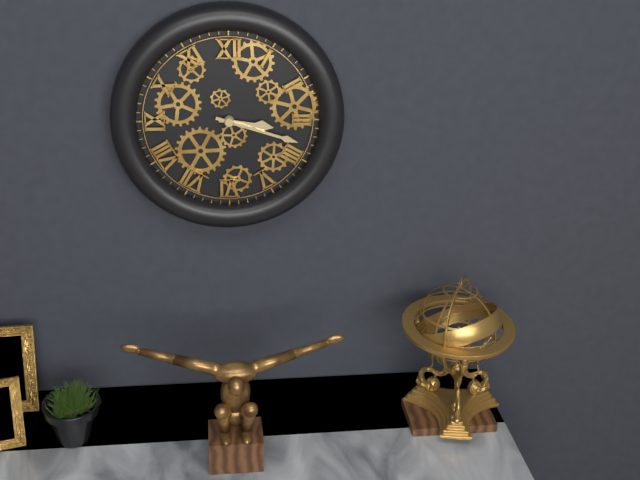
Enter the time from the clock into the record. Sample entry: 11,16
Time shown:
3,18
